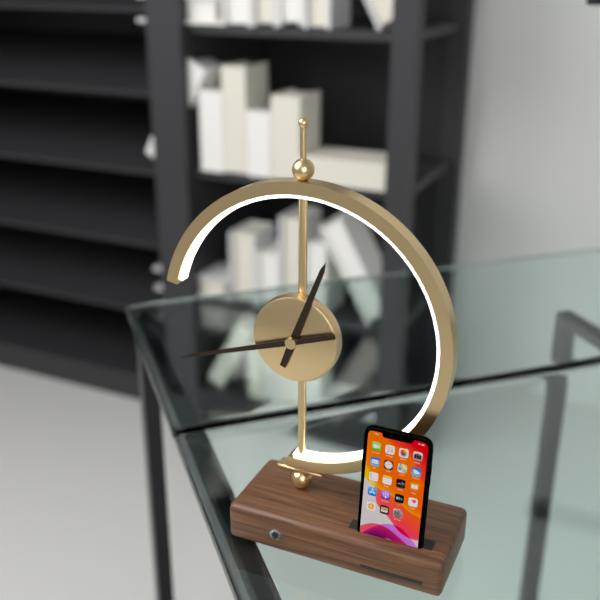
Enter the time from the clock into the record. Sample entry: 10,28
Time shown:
12,42
